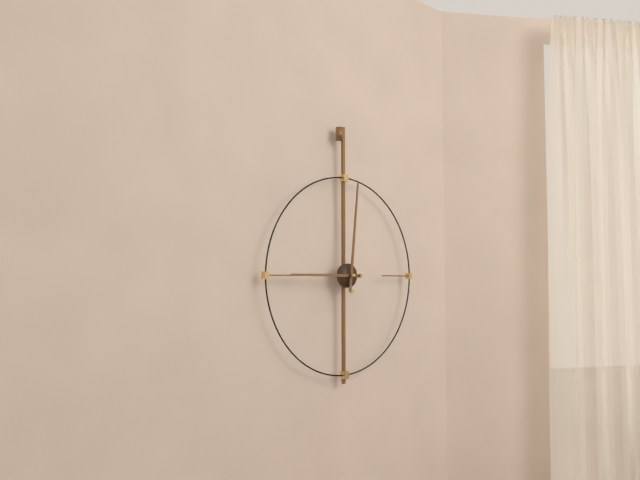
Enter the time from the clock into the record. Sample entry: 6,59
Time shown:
9,01
